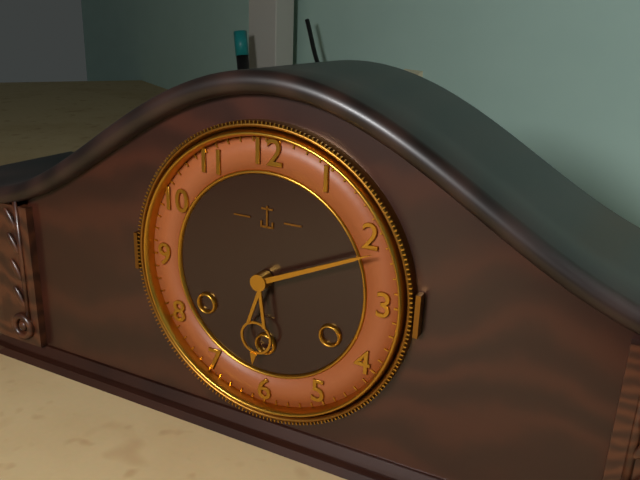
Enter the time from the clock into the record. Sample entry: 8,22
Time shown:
6,11
